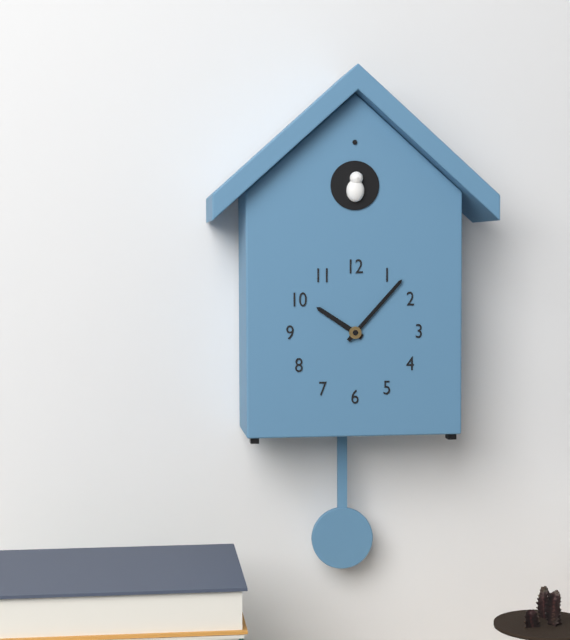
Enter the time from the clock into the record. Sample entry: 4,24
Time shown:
10,07
